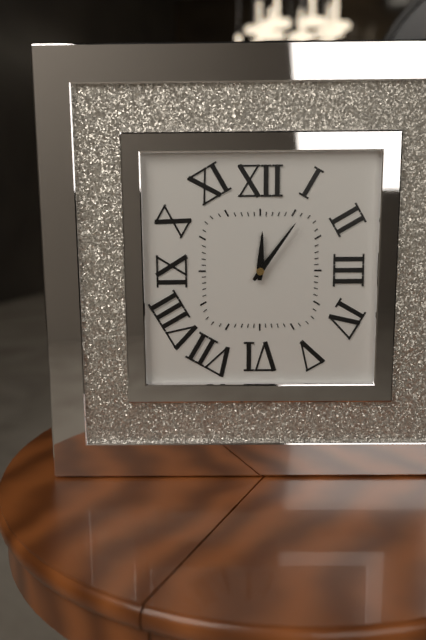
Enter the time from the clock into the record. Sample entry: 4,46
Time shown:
12,06
